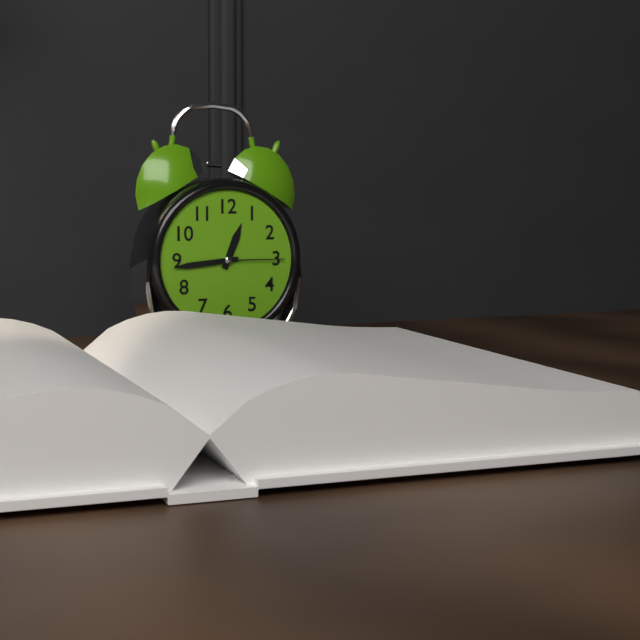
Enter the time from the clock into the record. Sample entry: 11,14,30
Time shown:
12,44,15
